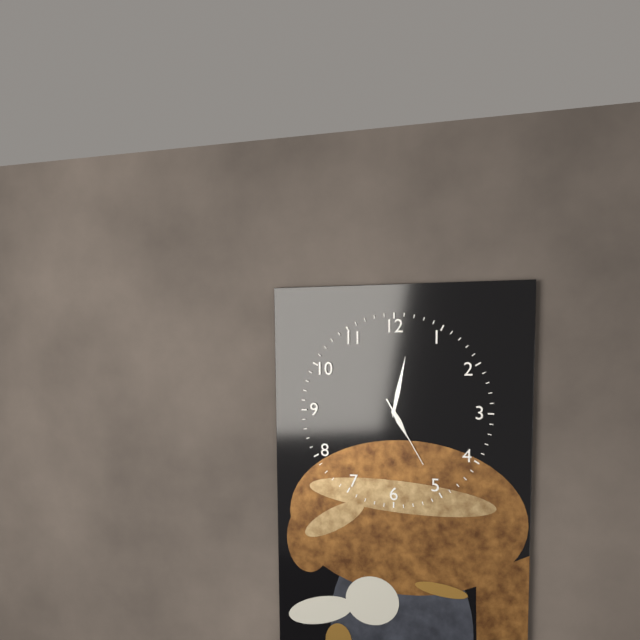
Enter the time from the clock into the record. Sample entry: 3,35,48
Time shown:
5,02,25
